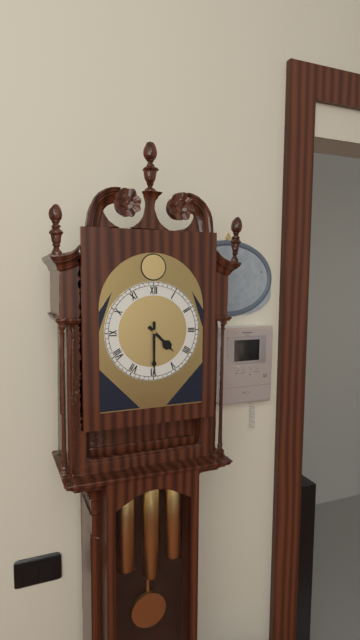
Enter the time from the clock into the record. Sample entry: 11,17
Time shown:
4,30
